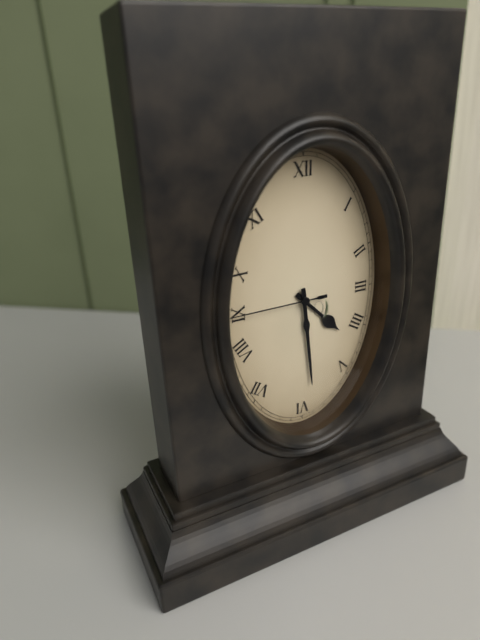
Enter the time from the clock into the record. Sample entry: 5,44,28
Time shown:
4,29,45
